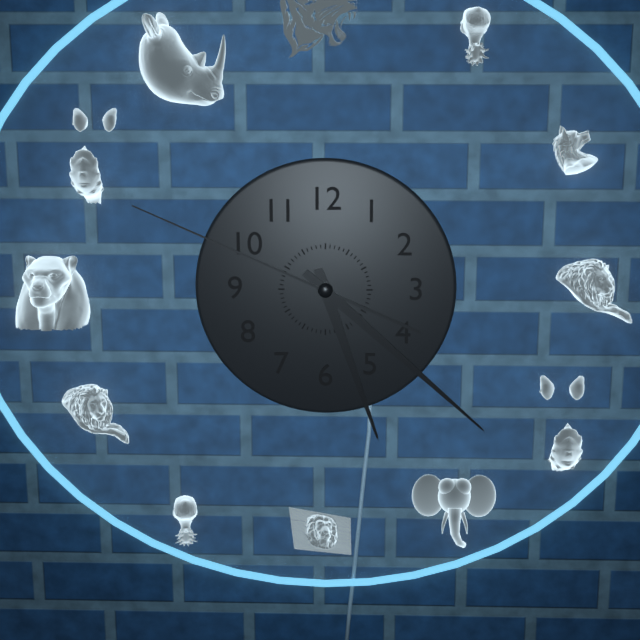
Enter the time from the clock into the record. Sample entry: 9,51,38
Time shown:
5,22,49
